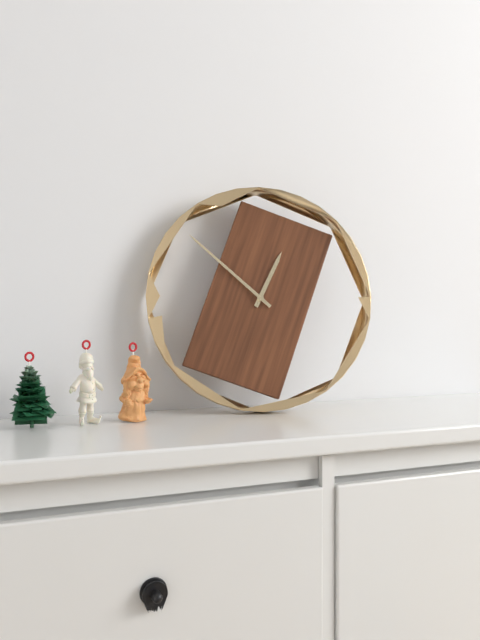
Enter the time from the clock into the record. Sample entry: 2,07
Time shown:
12,52
